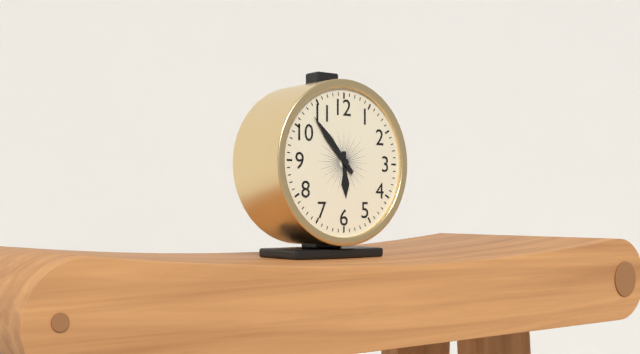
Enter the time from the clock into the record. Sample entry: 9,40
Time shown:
5,53
